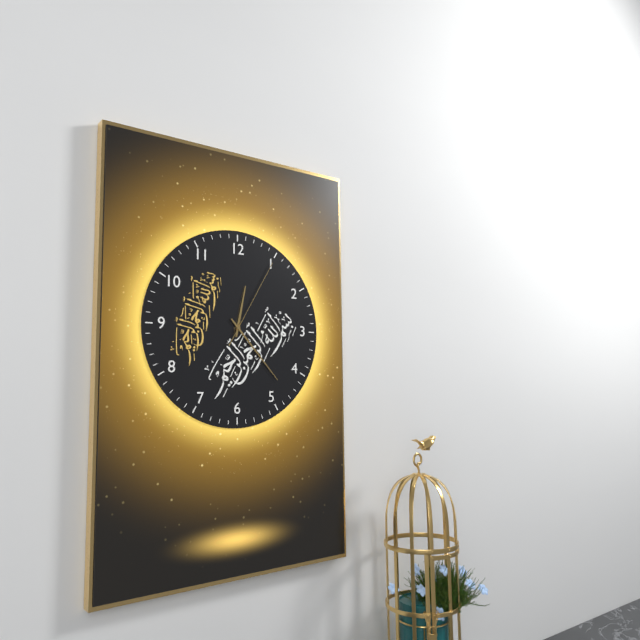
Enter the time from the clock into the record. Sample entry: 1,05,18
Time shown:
12,23,05
